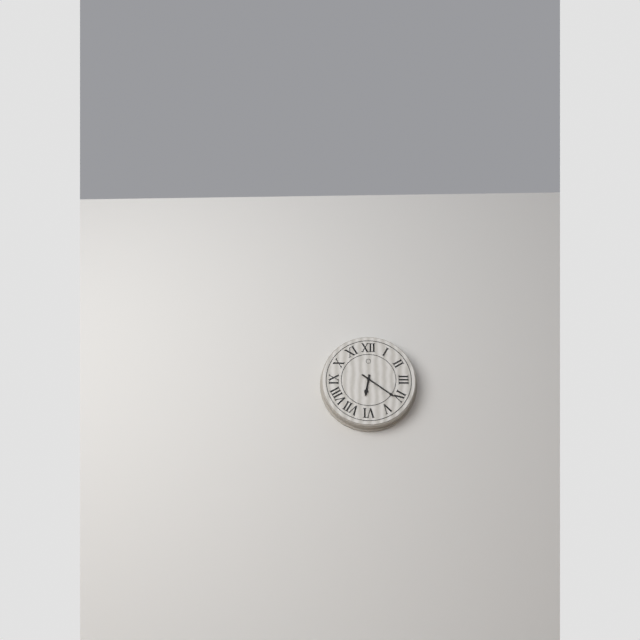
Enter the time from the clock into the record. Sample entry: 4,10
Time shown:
6,21
